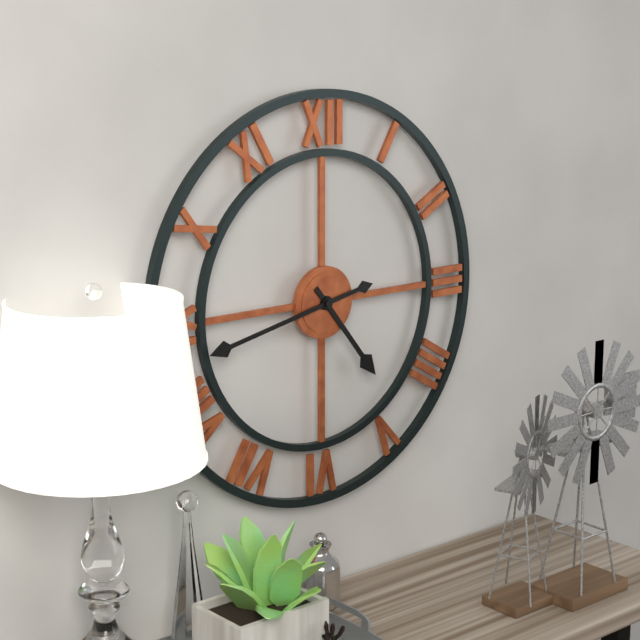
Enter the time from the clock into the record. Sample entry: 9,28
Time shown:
4,43
